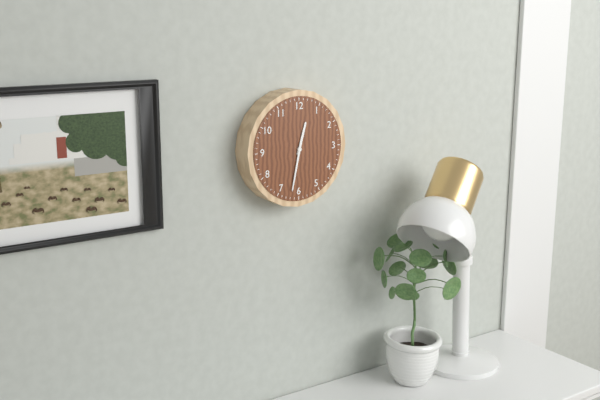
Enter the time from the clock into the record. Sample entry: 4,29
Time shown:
12,32
